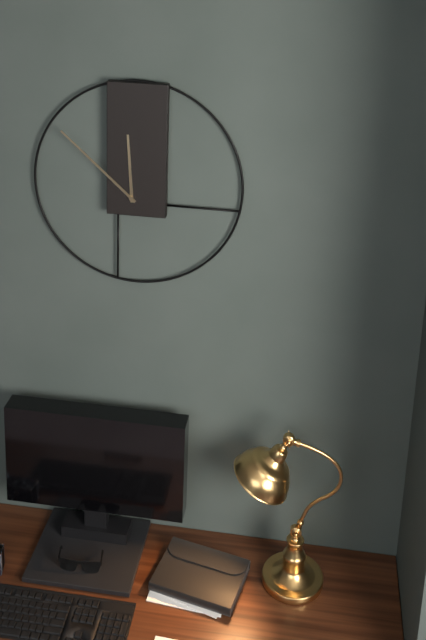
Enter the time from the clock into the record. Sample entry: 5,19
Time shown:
11,52
